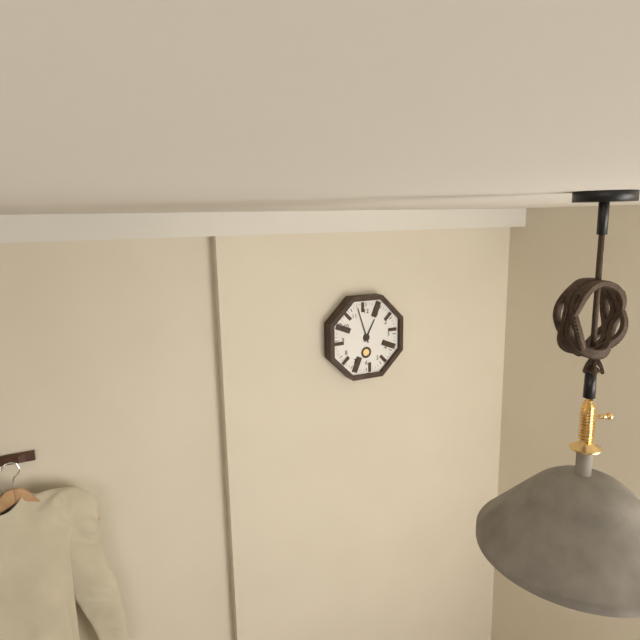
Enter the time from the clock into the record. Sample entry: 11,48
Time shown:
12,57
